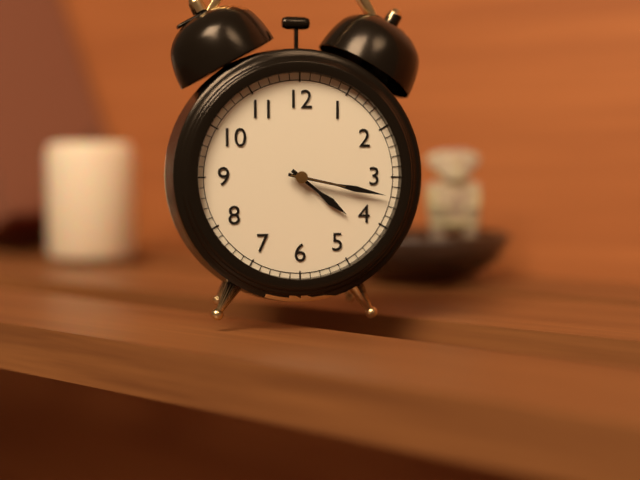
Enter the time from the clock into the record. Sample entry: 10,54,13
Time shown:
4,17,17
